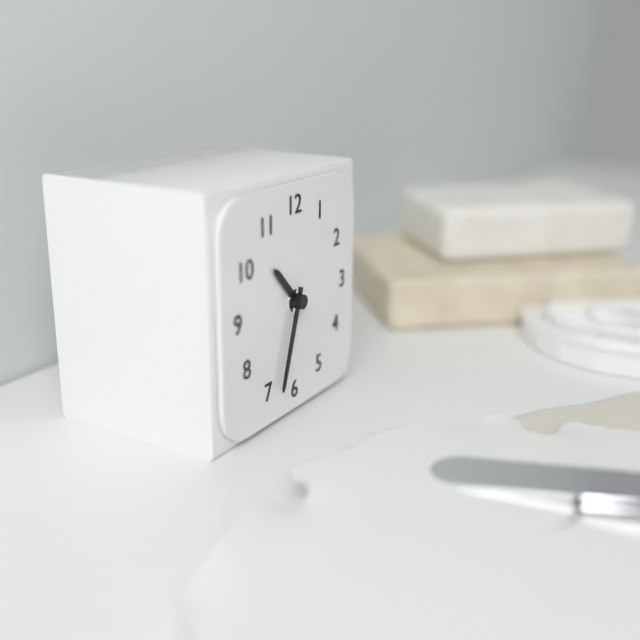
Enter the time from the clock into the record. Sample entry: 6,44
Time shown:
10,33
